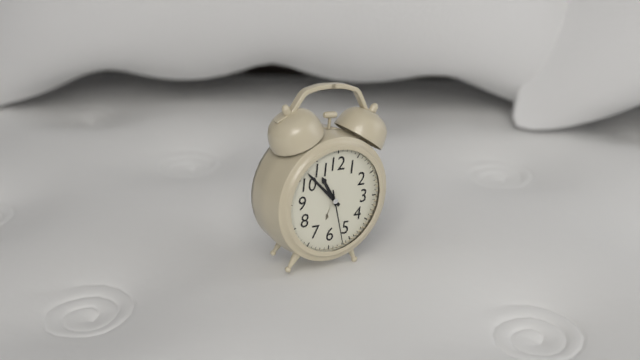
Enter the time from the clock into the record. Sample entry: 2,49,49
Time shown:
10,52,27
